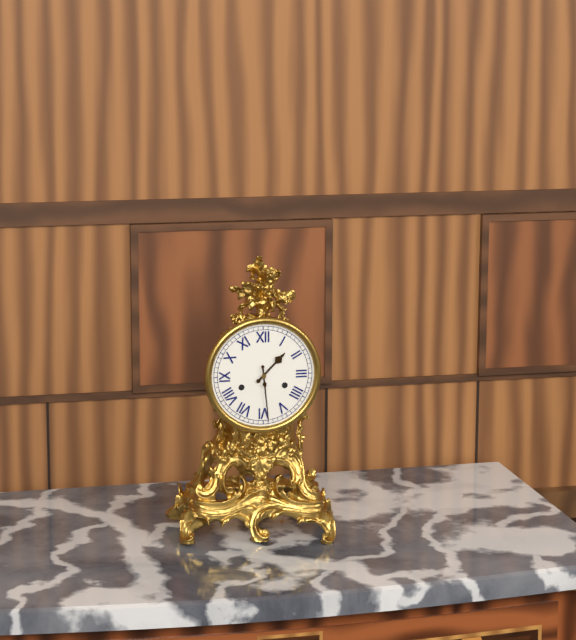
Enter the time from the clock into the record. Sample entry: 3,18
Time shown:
1,29
